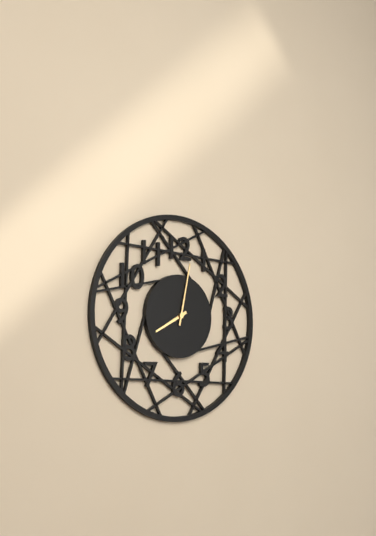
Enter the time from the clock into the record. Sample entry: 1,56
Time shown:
8,02
